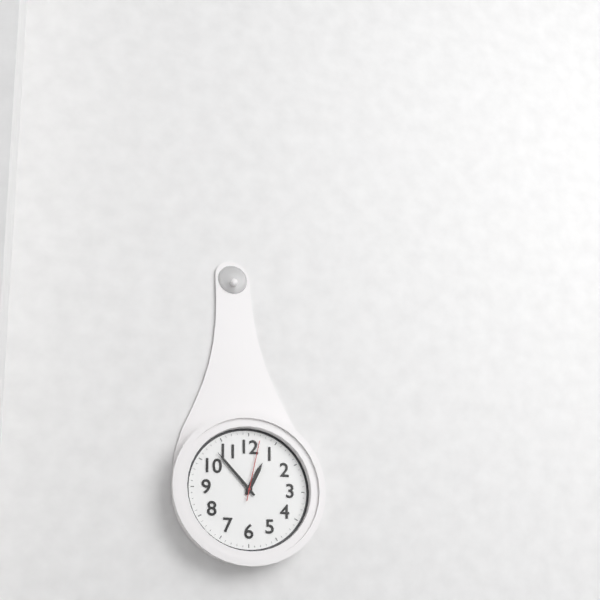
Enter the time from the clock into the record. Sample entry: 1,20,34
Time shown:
12,53,02
